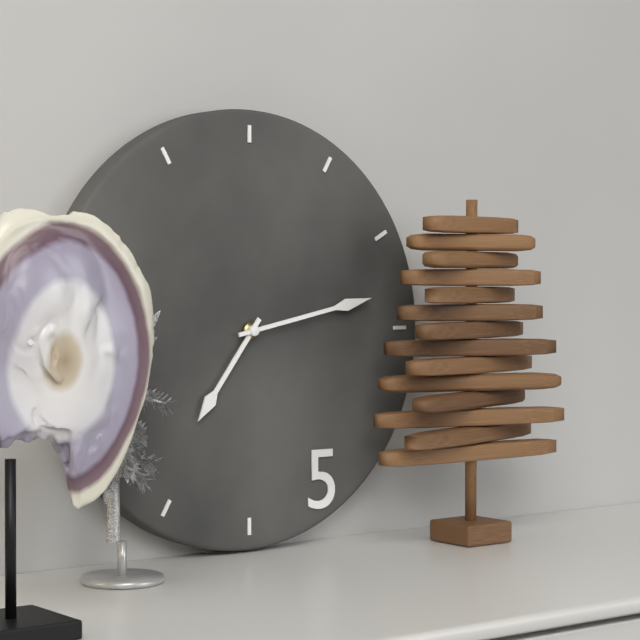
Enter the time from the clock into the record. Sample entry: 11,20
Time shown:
7,13
